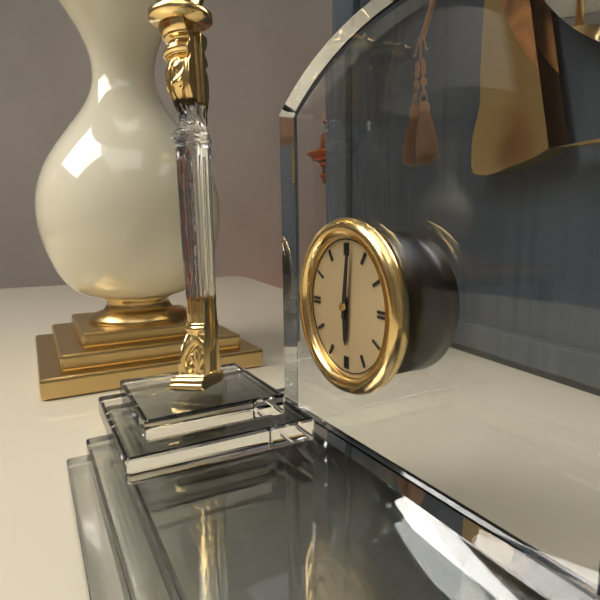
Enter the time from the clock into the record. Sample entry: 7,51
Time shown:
6,01
